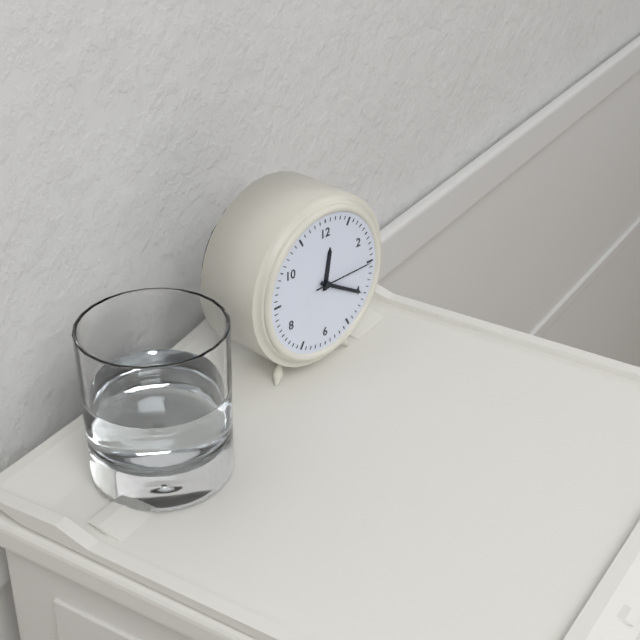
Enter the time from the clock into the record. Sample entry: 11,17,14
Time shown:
12,20,15
